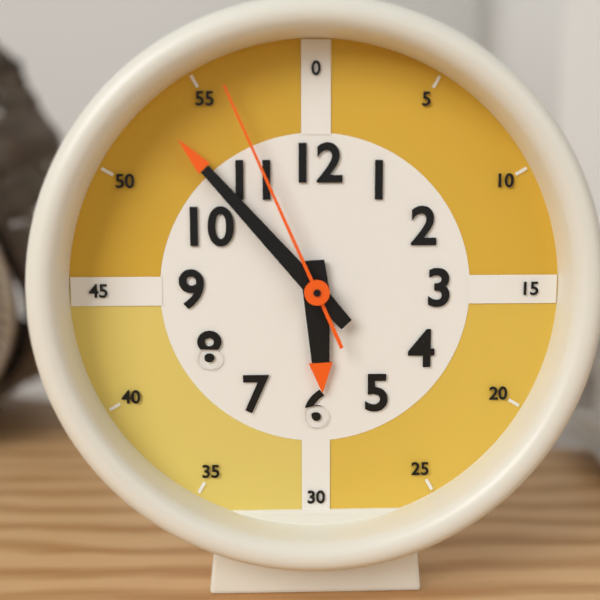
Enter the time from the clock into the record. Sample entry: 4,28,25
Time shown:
5,53,56
